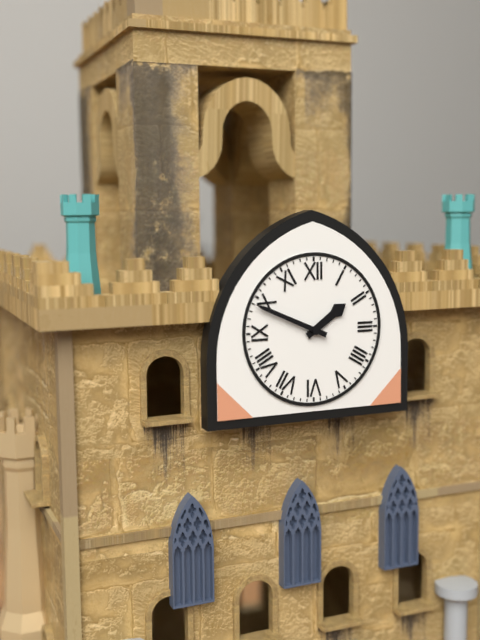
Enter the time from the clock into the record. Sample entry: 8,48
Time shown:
1,49
